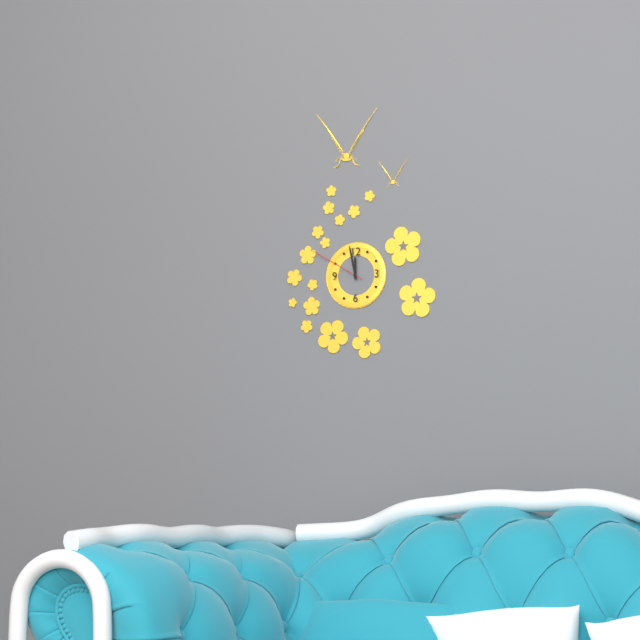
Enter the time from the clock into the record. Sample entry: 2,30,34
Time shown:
11,58,50
